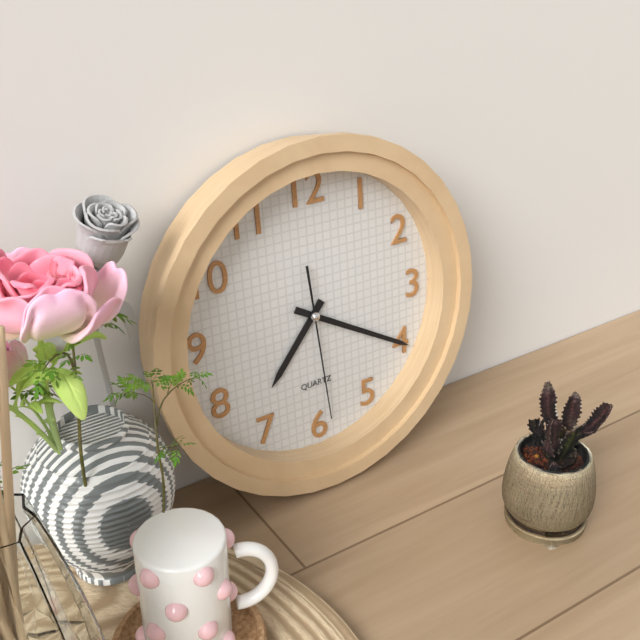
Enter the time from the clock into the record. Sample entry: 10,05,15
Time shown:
7,20,29
